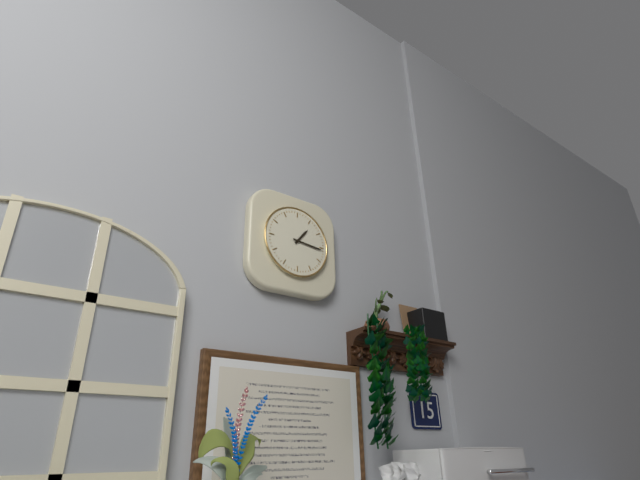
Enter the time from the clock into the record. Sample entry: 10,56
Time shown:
1,16
